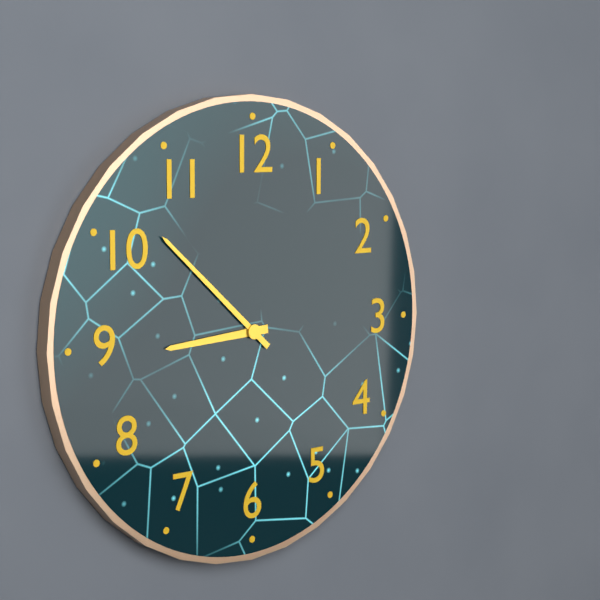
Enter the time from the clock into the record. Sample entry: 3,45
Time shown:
8,52
